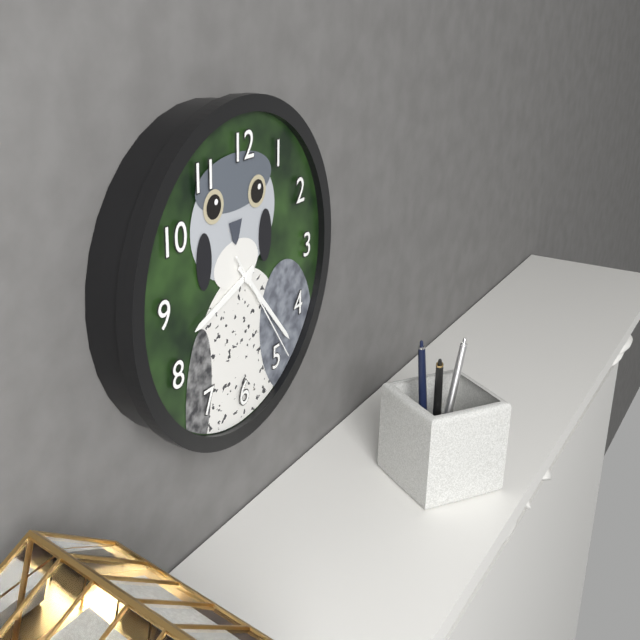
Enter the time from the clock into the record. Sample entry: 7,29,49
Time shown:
8,23,24
